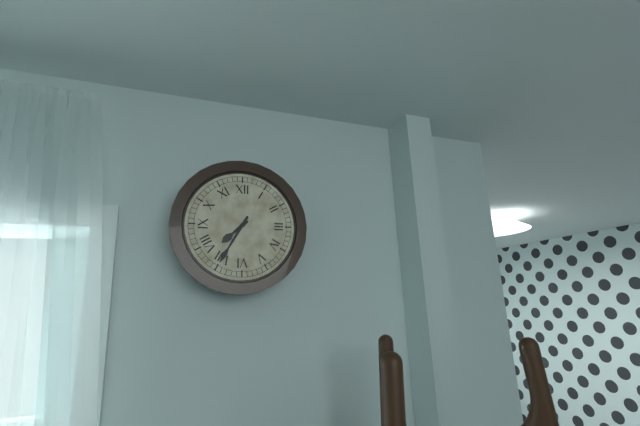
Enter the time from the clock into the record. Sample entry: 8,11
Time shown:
7,35
